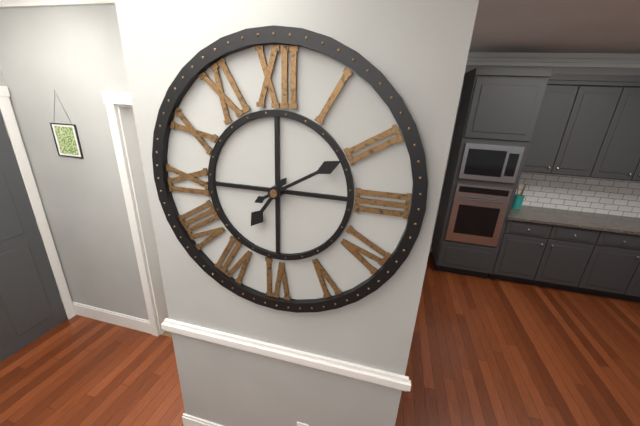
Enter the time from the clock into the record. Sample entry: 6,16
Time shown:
7,10
